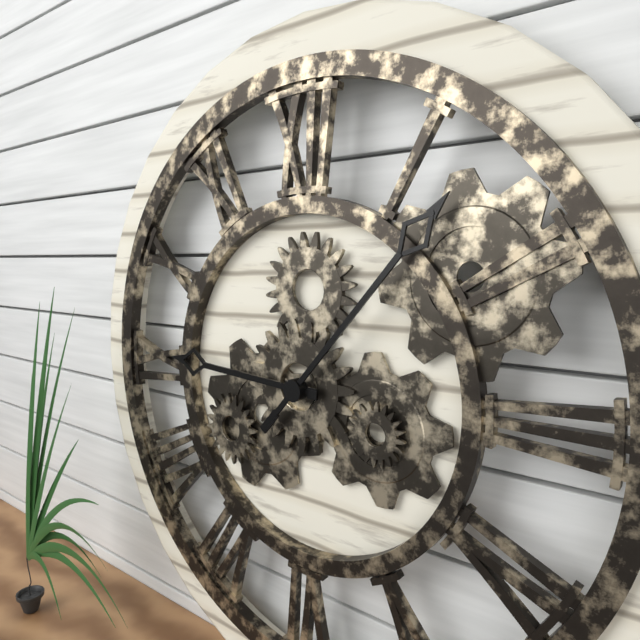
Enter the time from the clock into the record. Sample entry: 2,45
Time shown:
9,07
